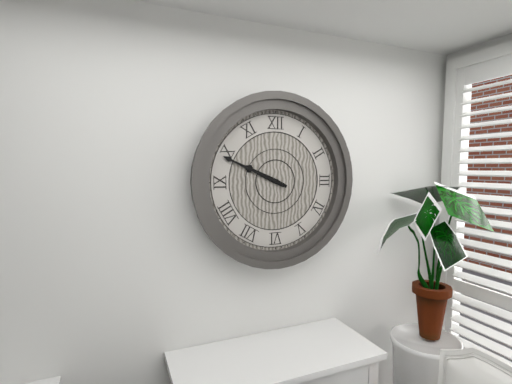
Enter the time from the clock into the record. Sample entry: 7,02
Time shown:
9,49
